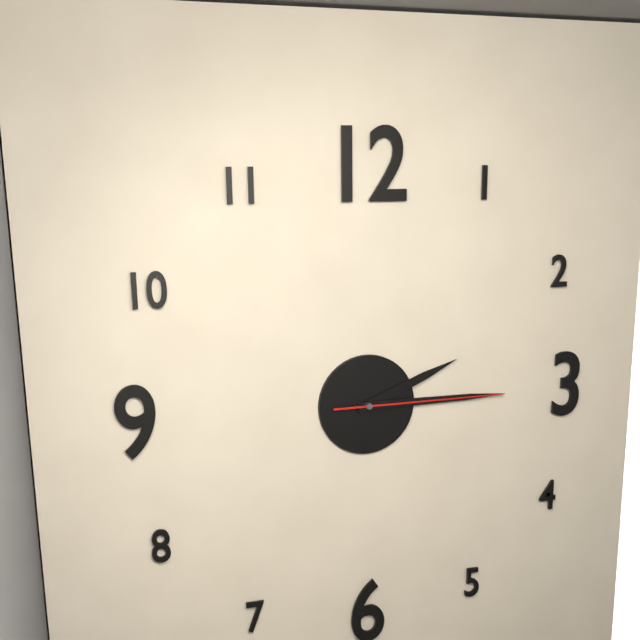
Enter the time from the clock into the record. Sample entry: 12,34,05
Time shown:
2,15,15
